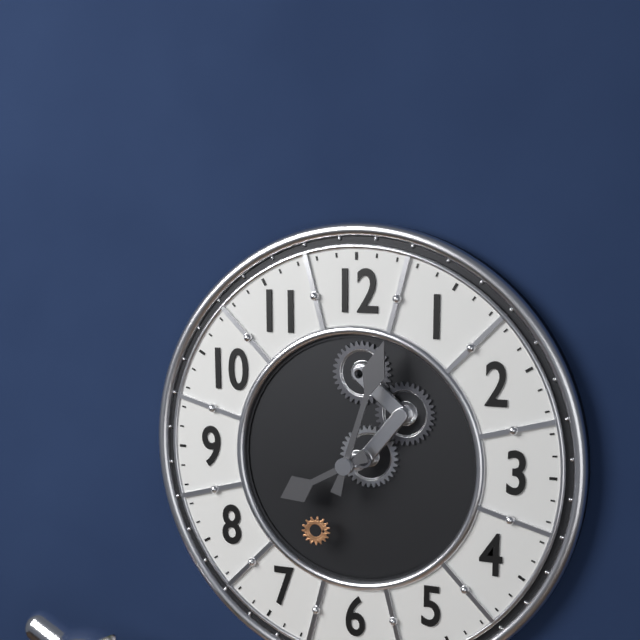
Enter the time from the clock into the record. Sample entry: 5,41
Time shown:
8,03
